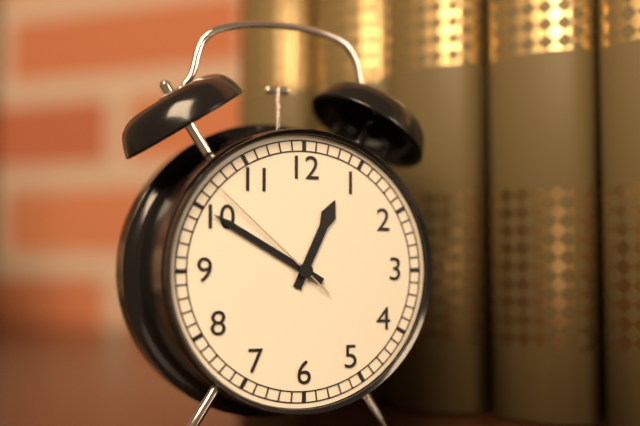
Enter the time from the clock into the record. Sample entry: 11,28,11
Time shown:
12,50,52
